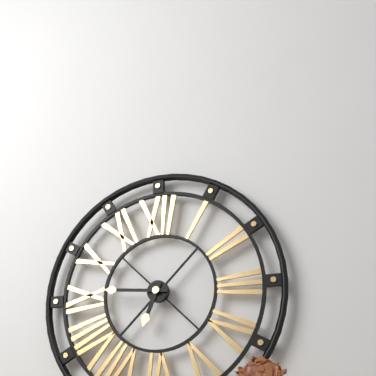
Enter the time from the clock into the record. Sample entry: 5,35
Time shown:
6,46
